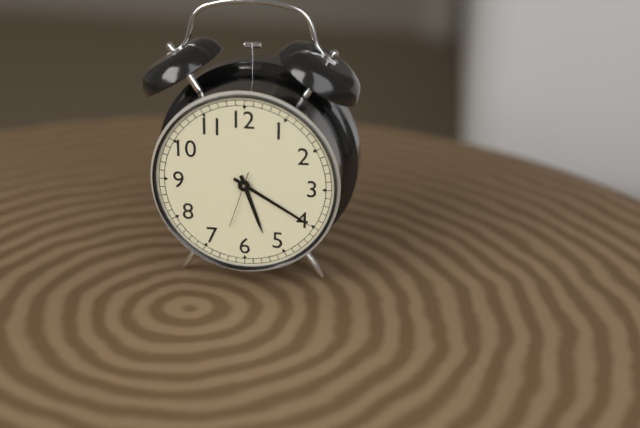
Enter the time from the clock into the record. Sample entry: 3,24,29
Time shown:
5,20,33
